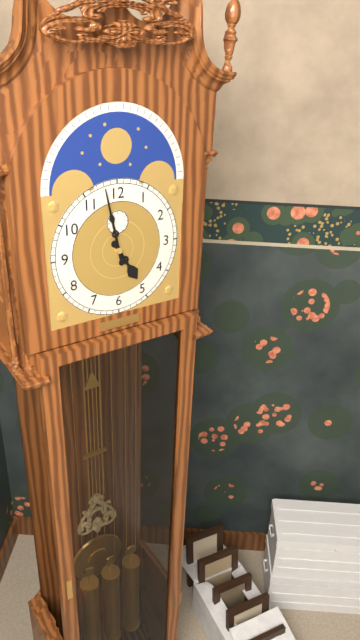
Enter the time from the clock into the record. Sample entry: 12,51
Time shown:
4,58
